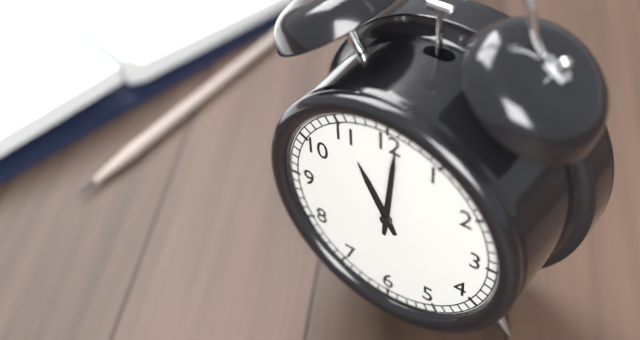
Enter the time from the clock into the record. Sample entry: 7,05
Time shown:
11,01
